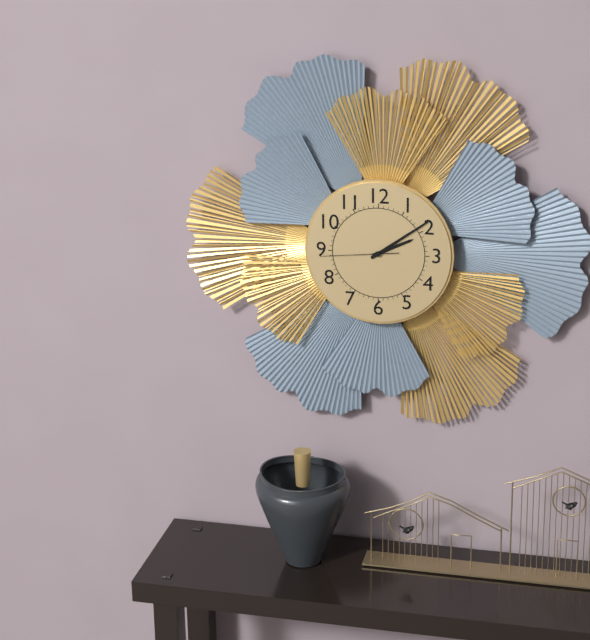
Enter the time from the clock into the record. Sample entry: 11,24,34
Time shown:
2,09,44
